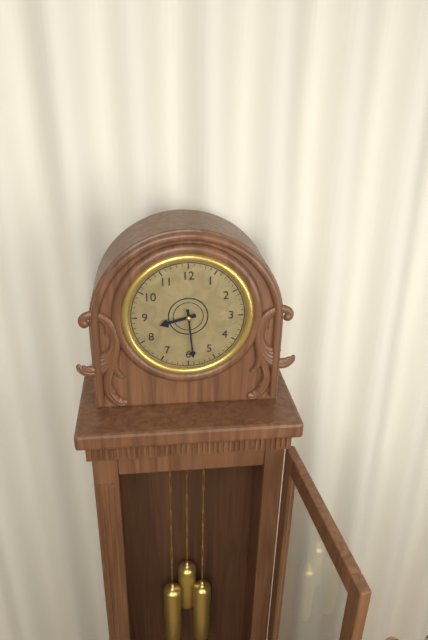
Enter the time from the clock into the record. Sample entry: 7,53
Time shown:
8,29
